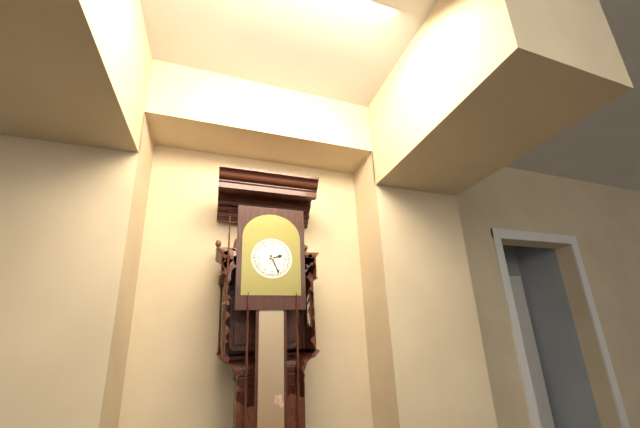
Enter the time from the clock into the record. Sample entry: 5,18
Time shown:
2,26
